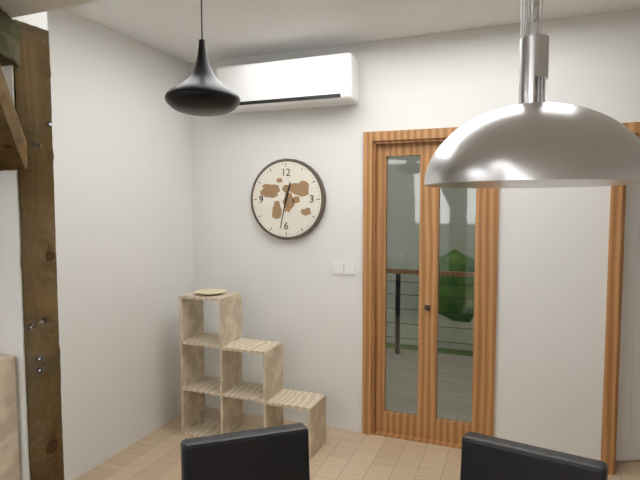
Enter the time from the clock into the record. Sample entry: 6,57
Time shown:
12,32
